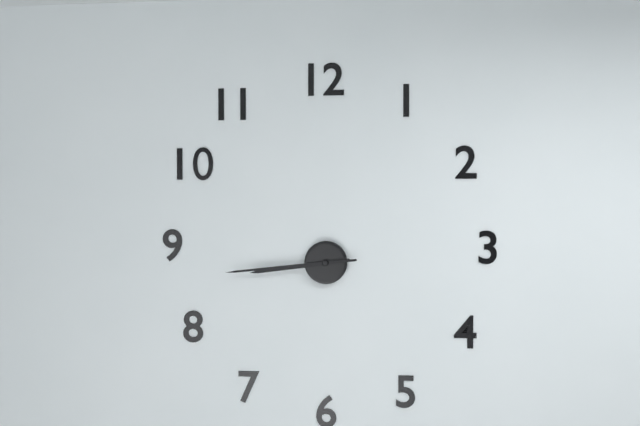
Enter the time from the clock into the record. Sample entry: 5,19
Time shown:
8,44
